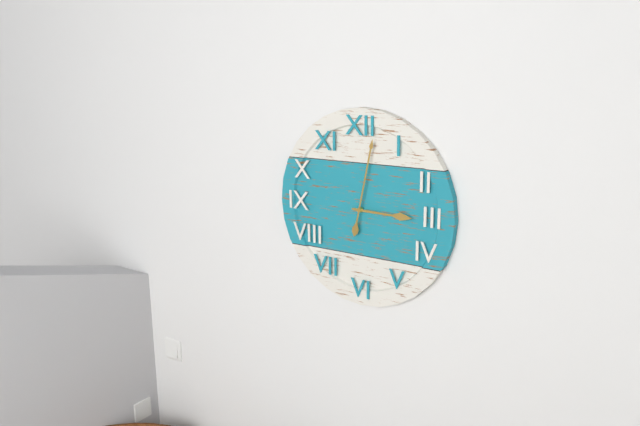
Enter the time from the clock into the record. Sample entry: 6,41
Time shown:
3,02
